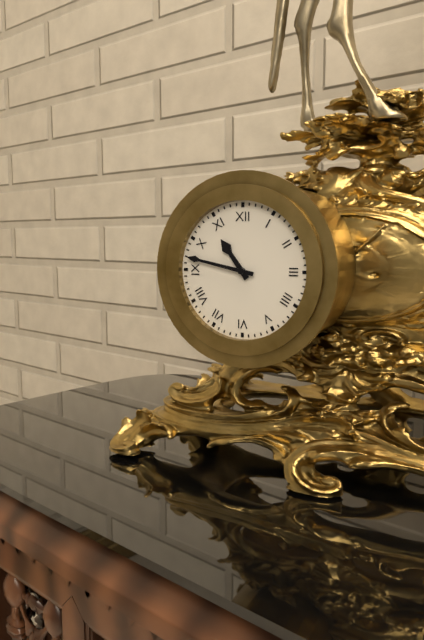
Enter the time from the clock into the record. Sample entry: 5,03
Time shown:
10,47
